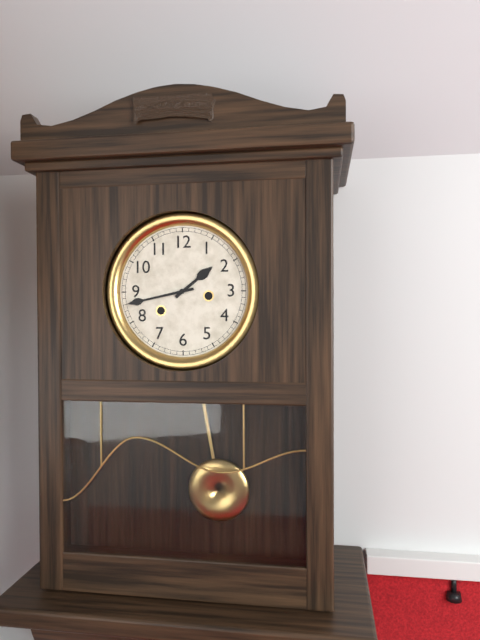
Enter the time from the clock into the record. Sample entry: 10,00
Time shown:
1,43
